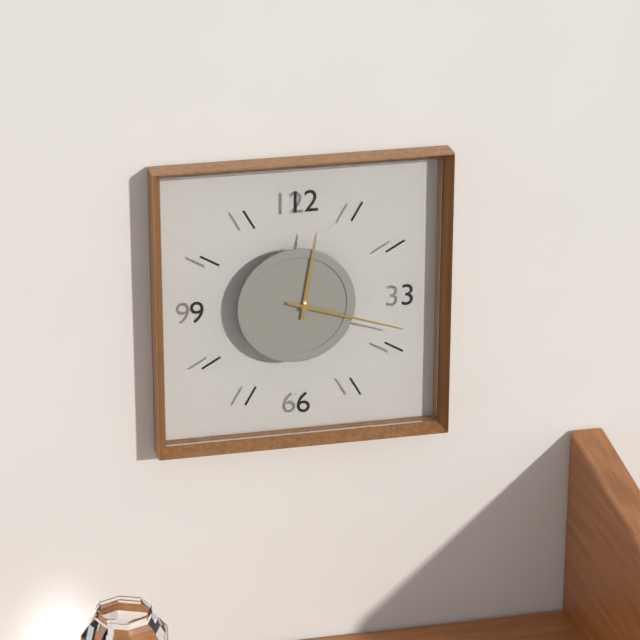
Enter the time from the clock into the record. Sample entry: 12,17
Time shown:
12,18
